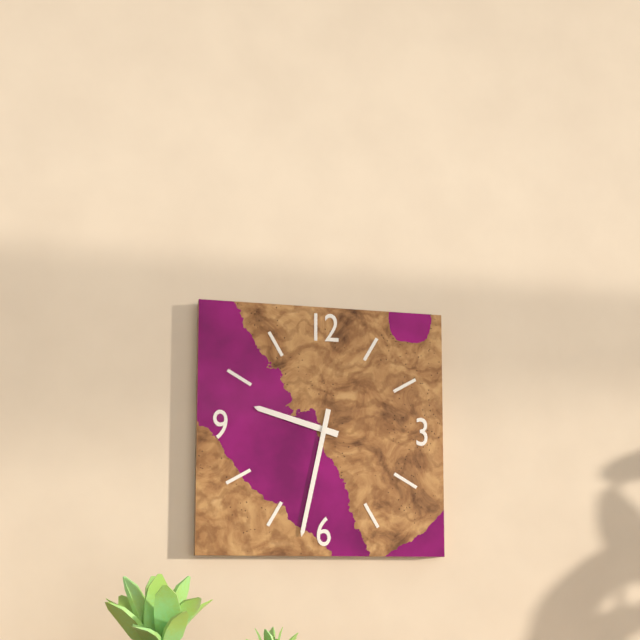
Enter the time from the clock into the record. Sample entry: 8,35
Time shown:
9,32
